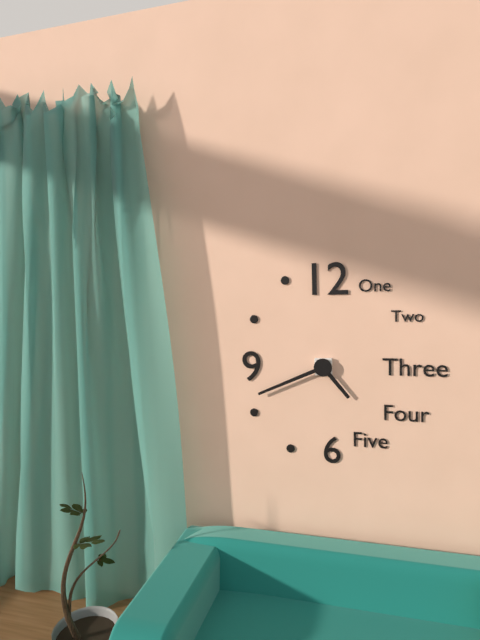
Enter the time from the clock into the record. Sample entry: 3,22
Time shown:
4,41
